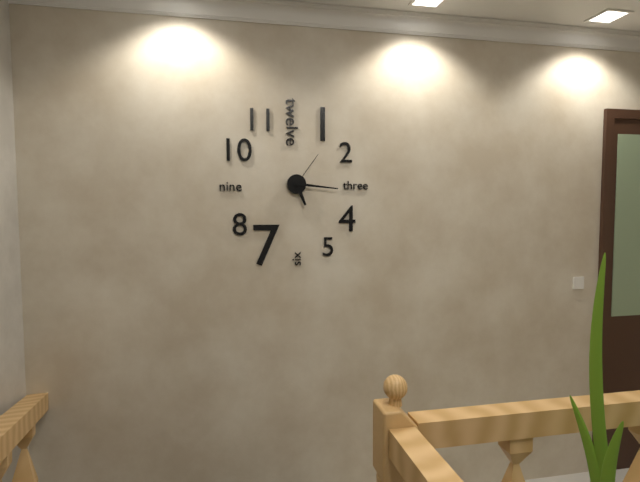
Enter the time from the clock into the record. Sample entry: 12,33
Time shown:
5,16
